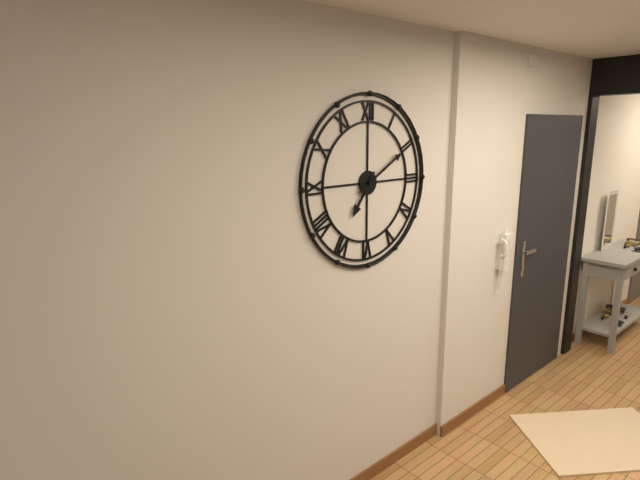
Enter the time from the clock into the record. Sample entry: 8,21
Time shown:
7,10
